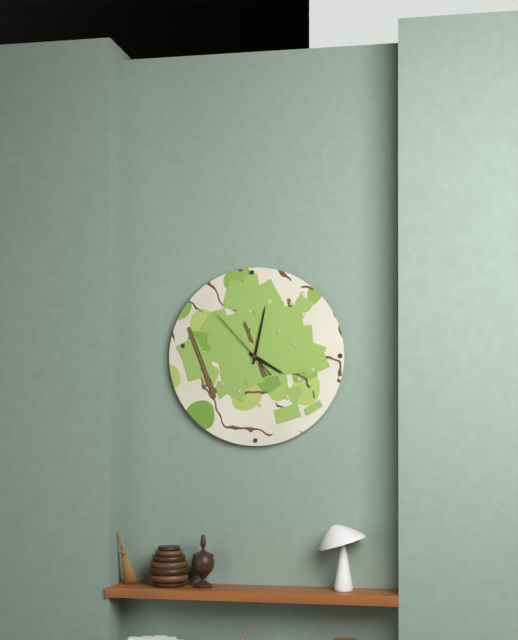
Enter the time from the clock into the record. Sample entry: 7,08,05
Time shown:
4,02,53
